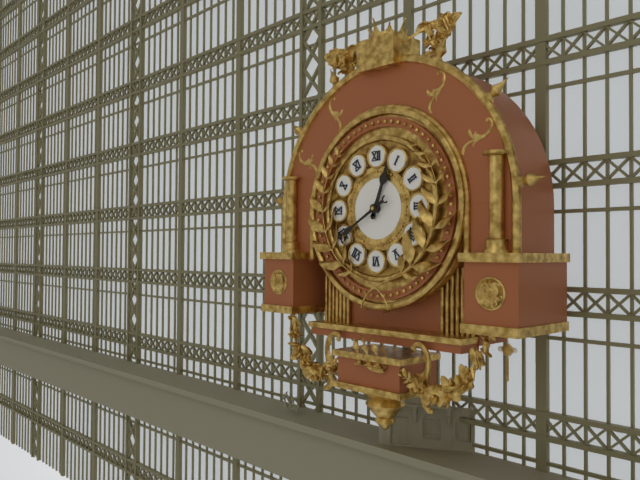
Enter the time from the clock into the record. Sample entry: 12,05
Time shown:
12,40
